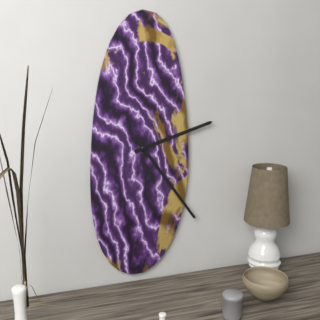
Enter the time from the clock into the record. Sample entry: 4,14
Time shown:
2,24
